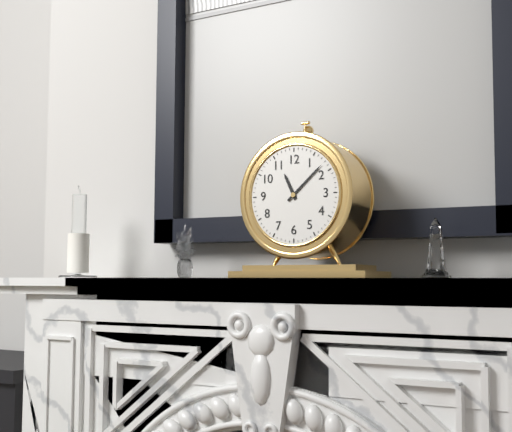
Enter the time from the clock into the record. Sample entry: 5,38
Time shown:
11,08
